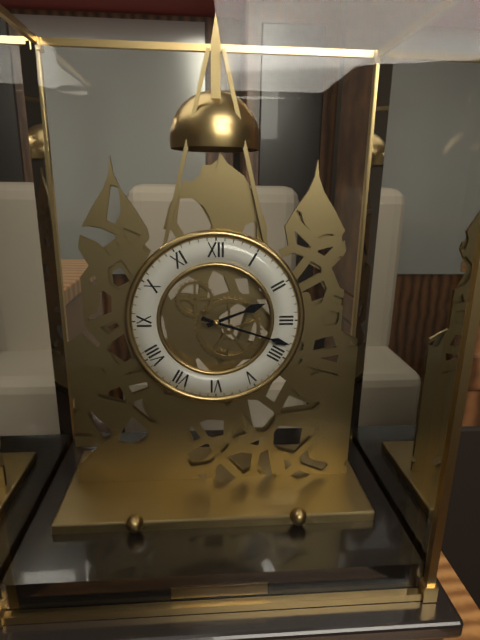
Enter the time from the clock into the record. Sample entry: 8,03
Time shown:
2,18
